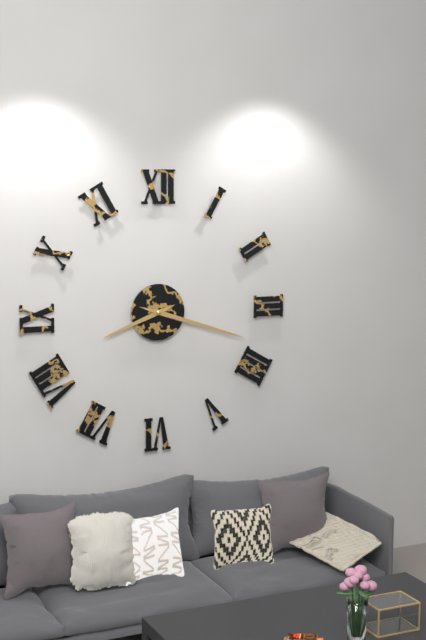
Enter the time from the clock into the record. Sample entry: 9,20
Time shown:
8,18
